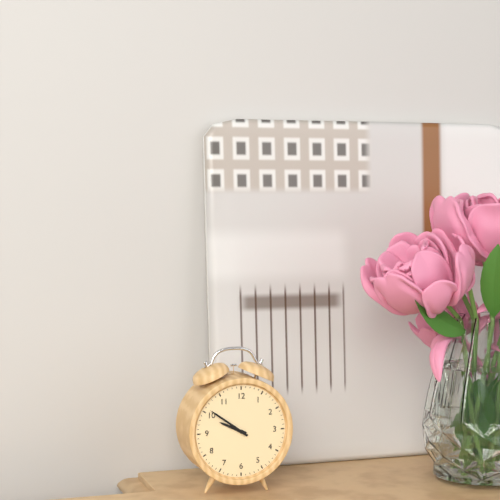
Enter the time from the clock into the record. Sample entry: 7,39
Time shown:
9,51
